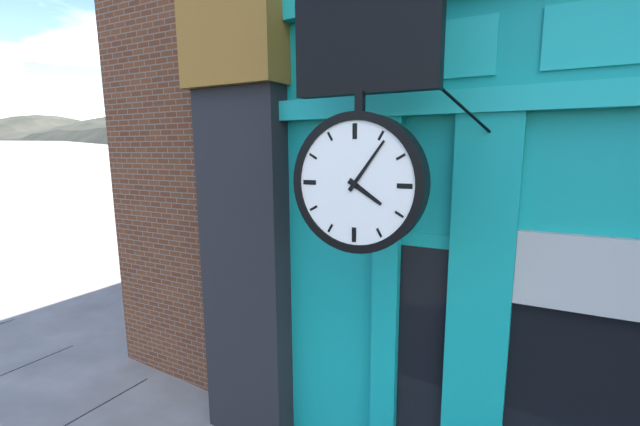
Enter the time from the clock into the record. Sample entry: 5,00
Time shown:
4,06
